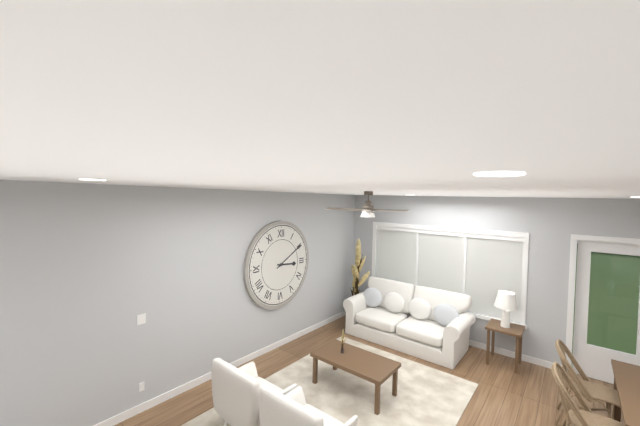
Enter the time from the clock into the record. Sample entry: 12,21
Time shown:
3,10
